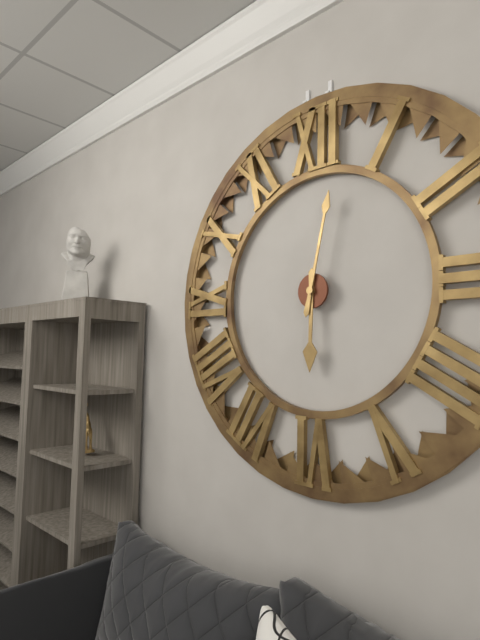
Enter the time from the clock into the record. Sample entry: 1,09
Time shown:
6,02
